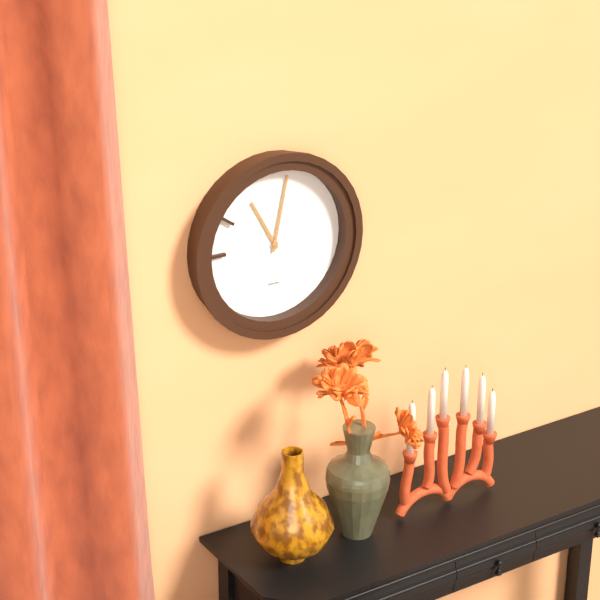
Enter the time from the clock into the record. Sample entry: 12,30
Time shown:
11,02
